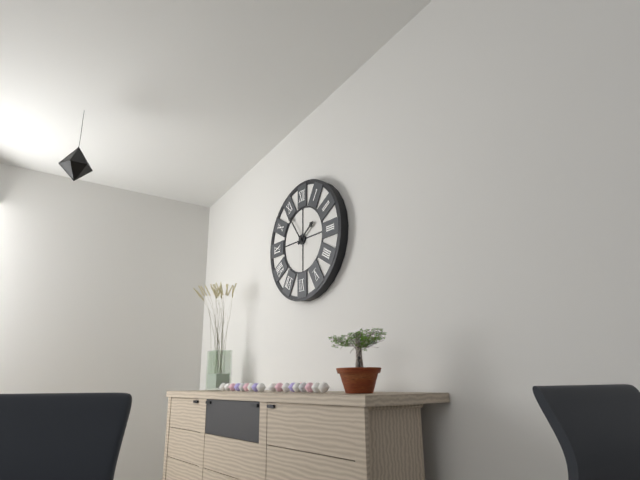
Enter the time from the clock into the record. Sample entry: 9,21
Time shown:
1,54
